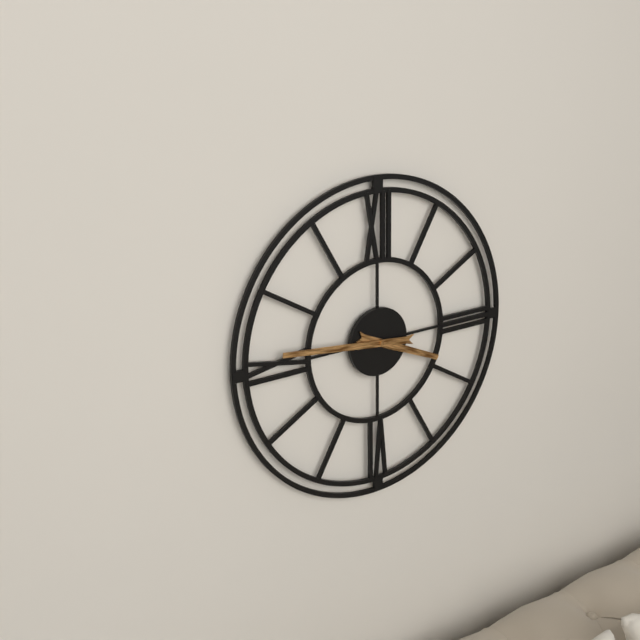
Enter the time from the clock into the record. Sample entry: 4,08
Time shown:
3,46
